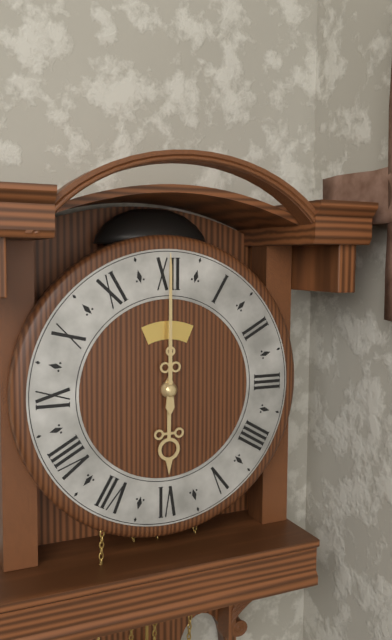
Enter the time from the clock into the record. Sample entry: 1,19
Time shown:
6,00
